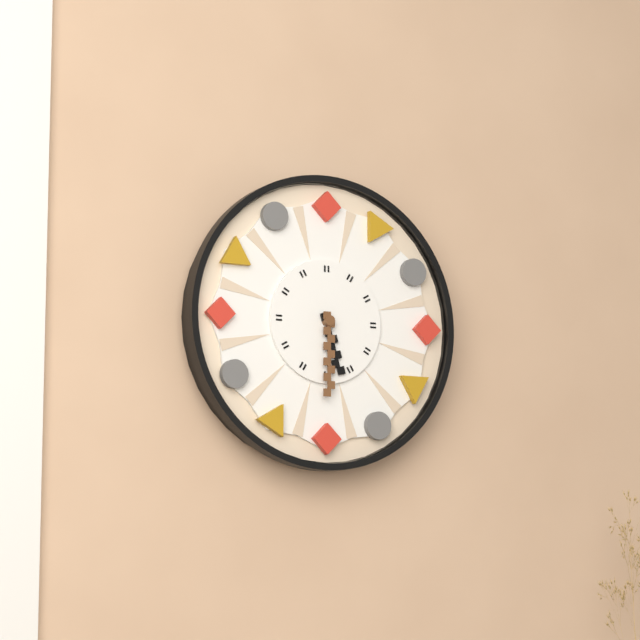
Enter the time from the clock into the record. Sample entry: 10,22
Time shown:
5,30
